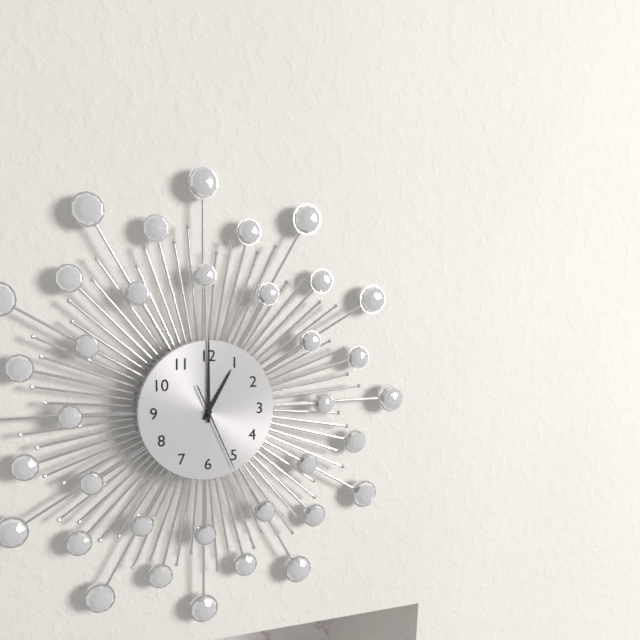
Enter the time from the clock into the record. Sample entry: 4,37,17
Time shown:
1,00,26
